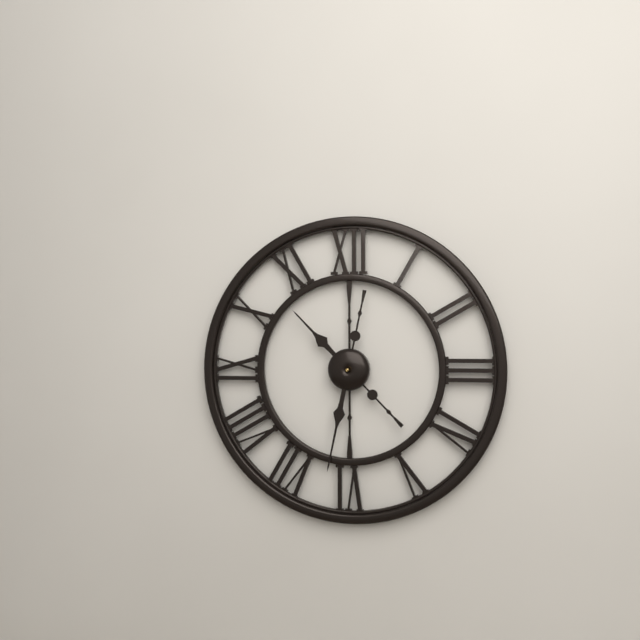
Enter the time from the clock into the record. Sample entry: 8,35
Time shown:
10,32
